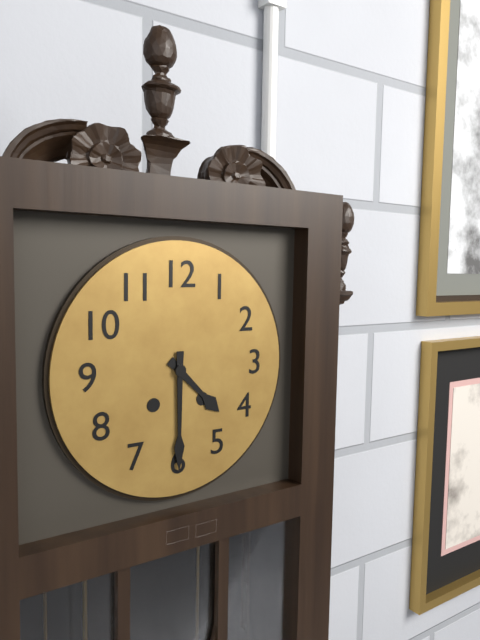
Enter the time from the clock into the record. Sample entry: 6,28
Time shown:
4,30
